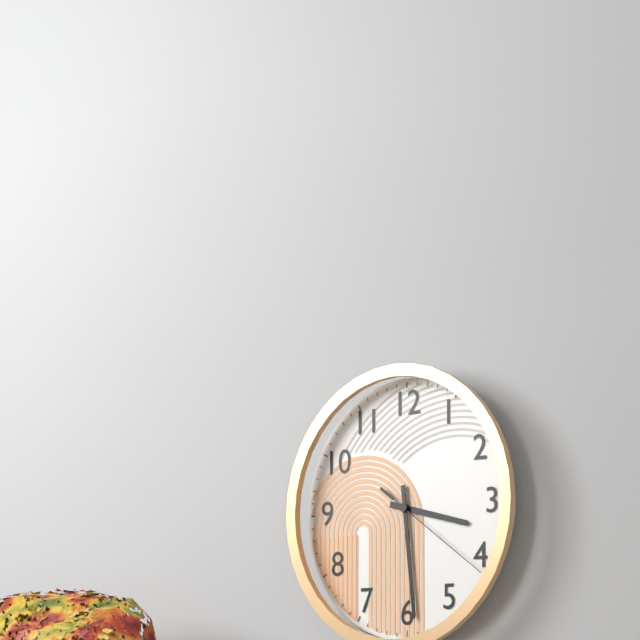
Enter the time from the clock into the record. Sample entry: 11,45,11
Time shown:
3,29,21
